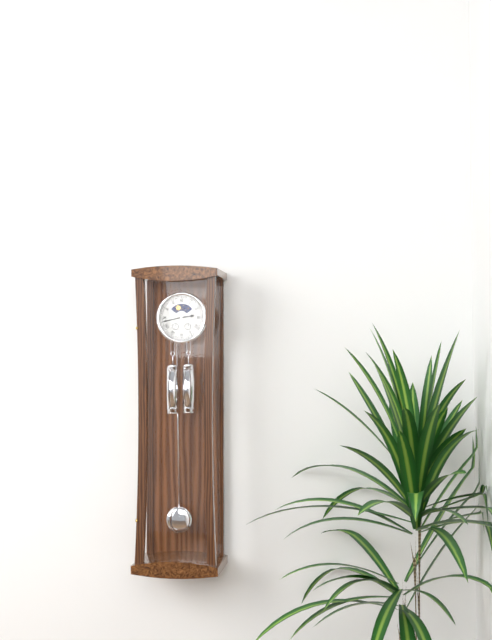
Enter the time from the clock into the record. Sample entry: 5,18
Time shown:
2,43
